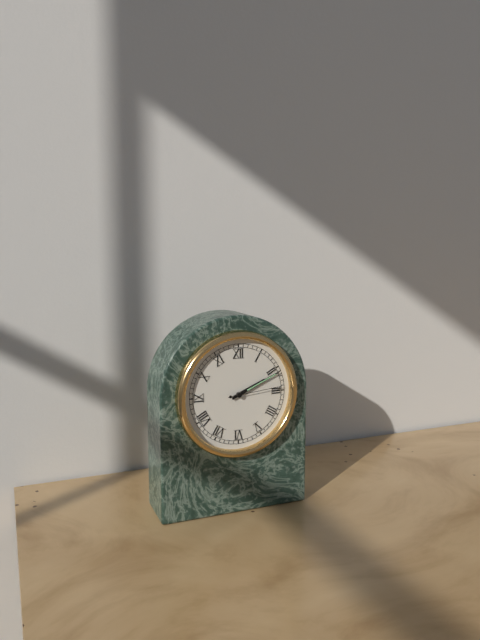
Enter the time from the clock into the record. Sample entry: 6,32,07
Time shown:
2,11,14
